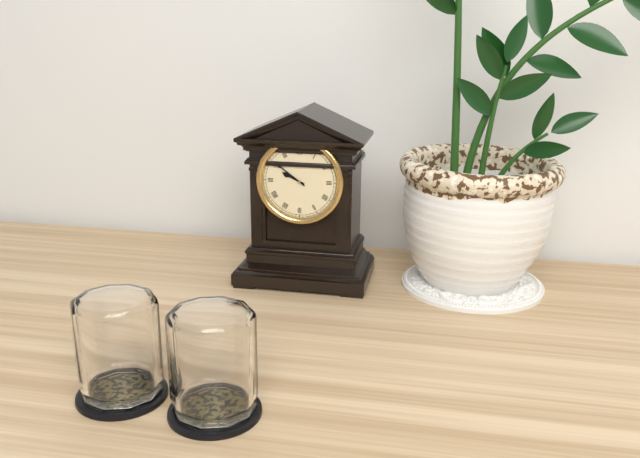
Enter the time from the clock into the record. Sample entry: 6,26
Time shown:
9,51
